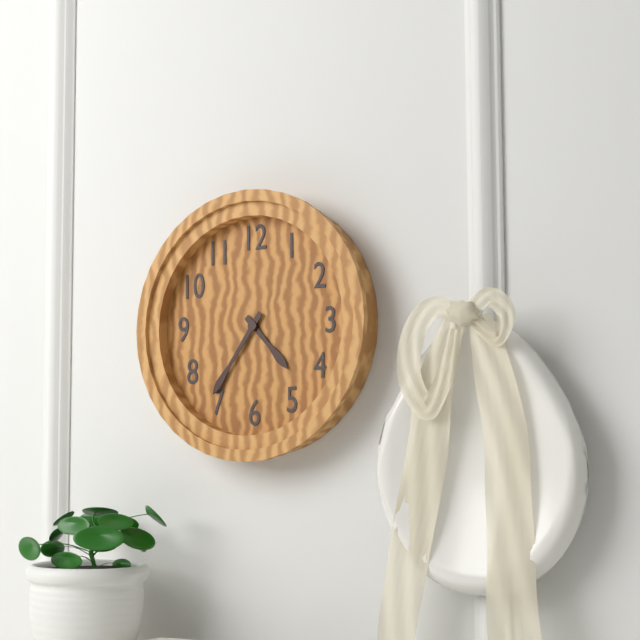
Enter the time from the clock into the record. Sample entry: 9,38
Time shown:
4,36
